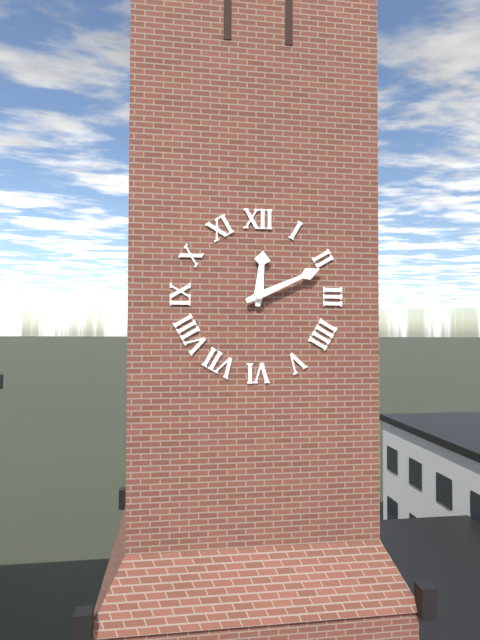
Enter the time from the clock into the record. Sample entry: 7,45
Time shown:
12,11
